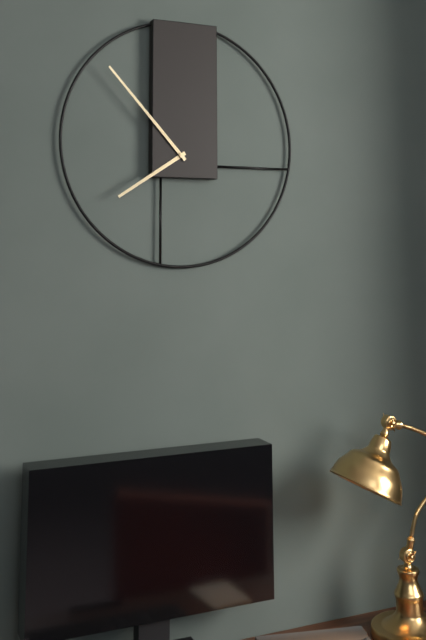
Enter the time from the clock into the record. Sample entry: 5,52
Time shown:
7,53
